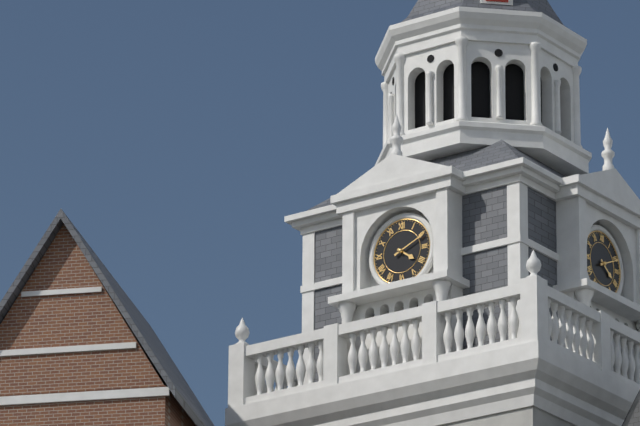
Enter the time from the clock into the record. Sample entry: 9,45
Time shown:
4,11
